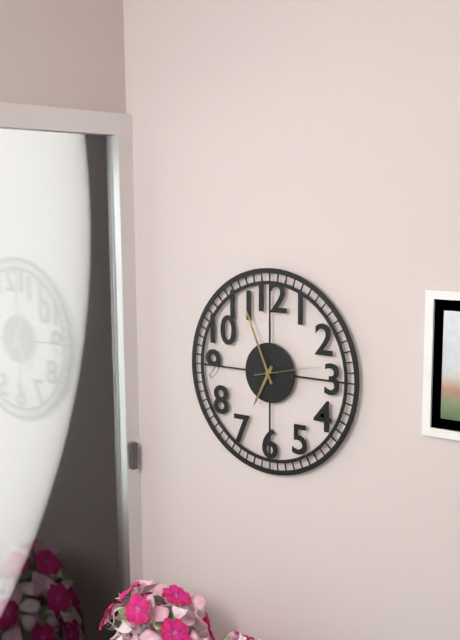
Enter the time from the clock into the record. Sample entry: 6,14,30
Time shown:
6,56,13
